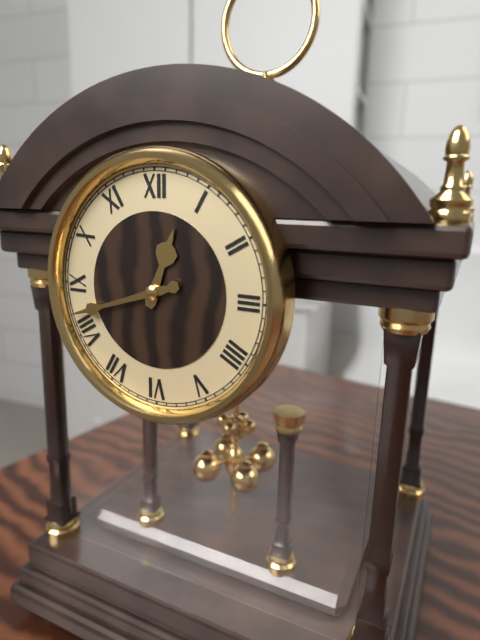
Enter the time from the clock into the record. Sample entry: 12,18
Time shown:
12,42
